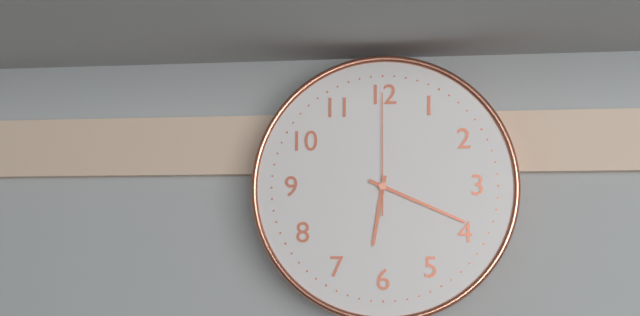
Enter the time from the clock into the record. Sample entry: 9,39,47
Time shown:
6,19,00
